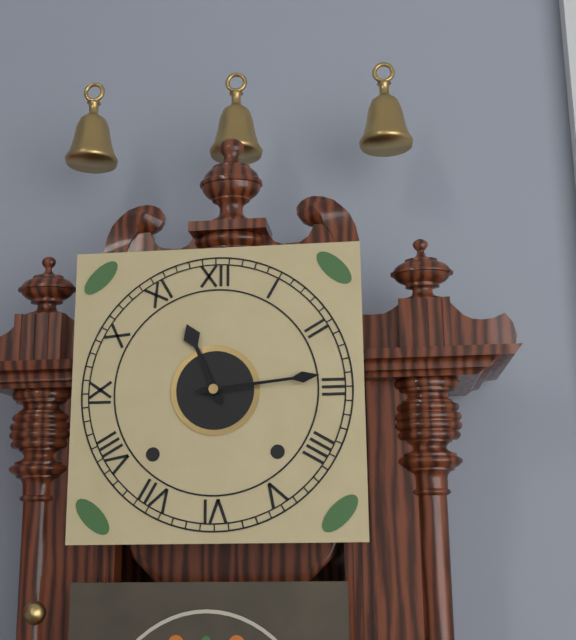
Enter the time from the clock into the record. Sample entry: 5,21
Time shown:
11,14
